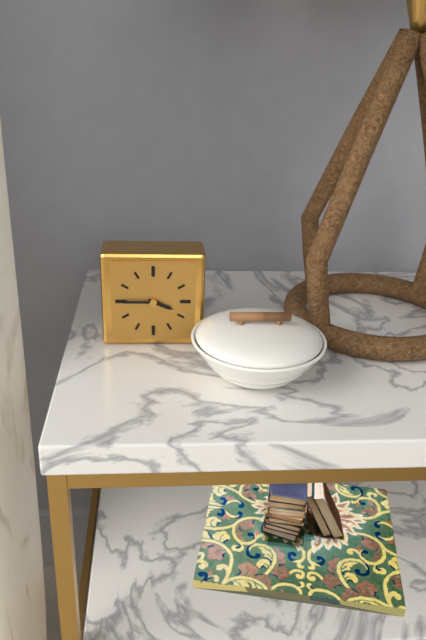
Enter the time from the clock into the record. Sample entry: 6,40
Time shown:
3,45
